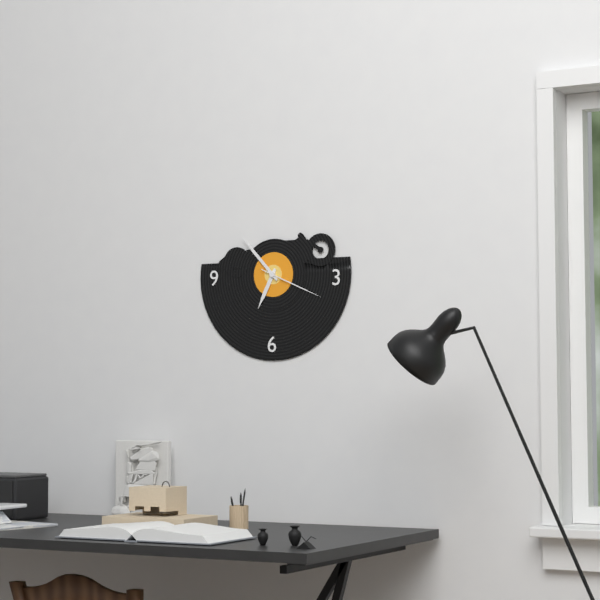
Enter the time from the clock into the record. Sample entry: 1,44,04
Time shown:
6,53,19
